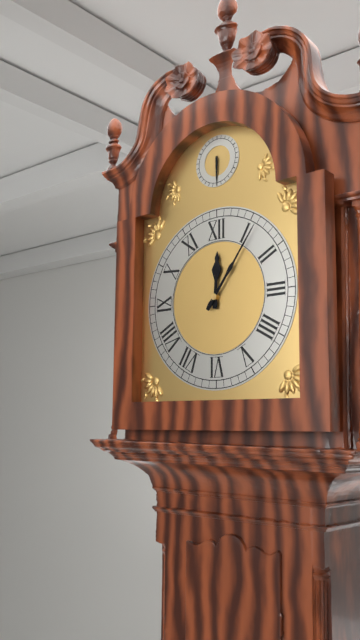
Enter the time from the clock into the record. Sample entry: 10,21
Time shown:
12,06
